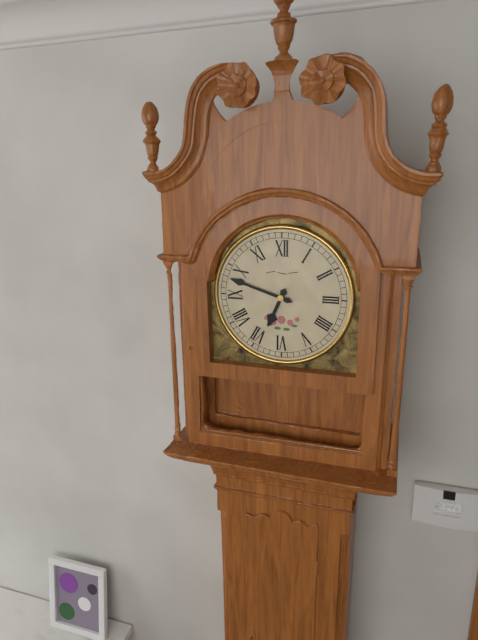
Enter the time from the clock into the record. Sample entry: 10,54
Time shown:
6,48
